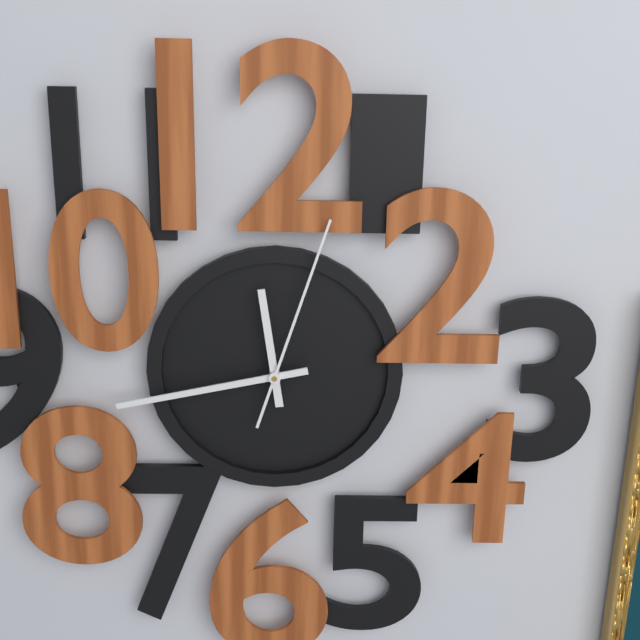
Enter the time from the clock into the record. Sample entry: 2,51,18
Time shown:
11,43,03
